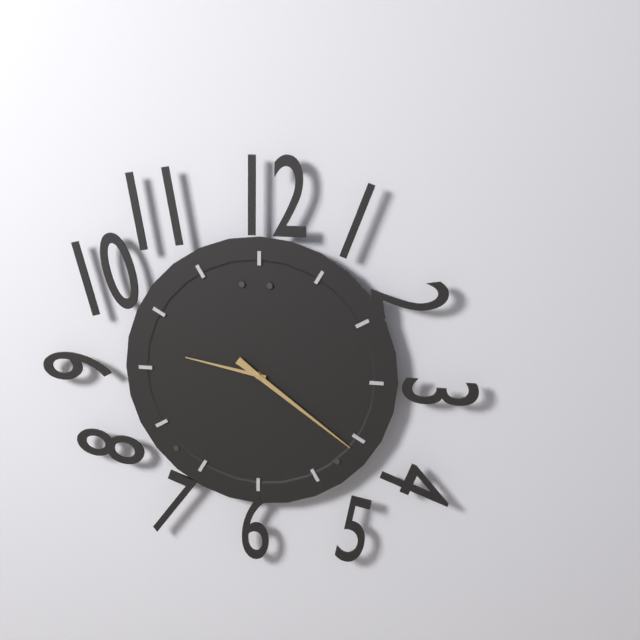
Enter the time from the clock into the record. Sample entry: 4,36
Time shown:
9,21
